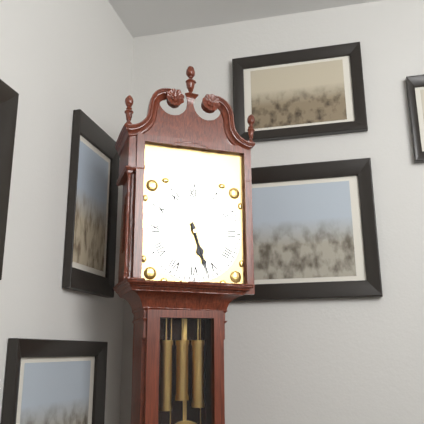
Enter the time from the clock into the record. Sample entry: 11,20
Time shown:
5,27
